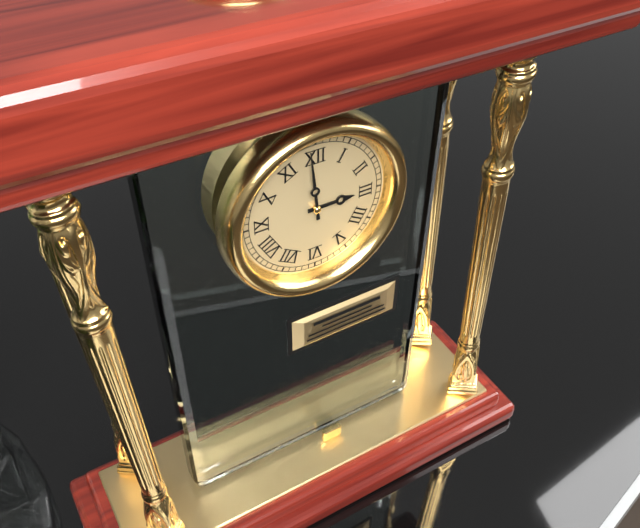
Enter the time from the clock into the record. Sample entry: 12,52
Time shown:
2,59
